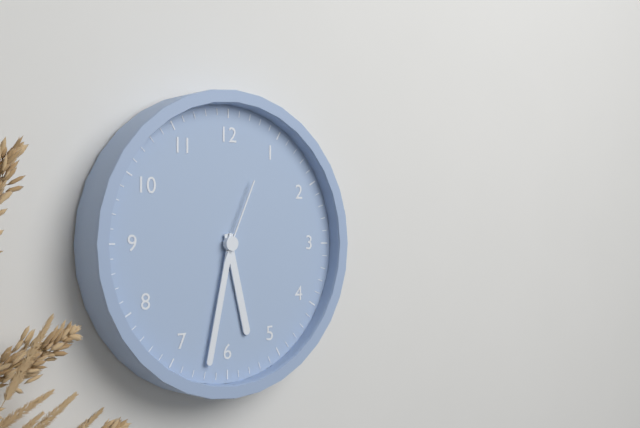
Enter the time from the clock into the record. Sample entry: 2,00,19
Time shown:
5,32,04
